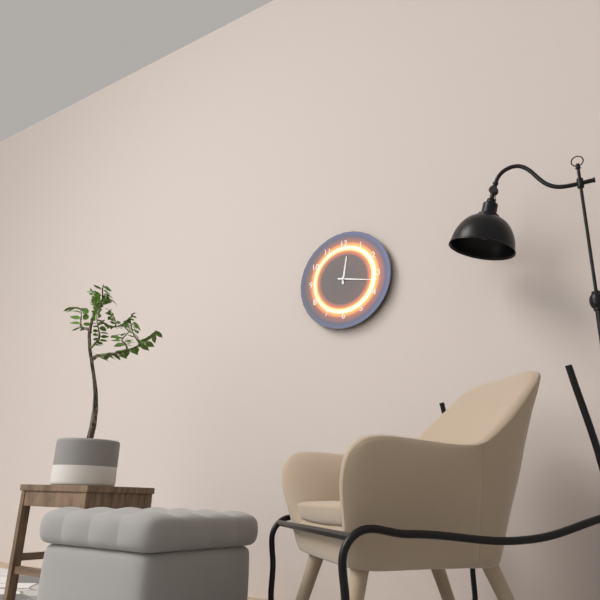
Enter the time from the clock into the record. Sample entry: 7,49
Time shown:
12,17
